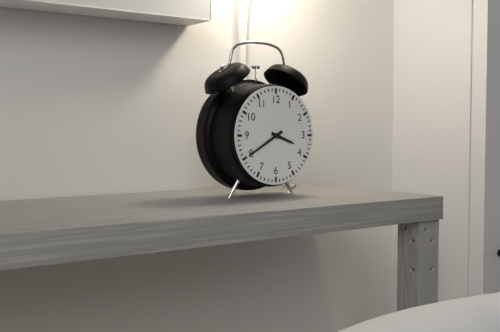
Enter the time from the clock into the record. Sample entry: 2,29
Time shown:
3,40
